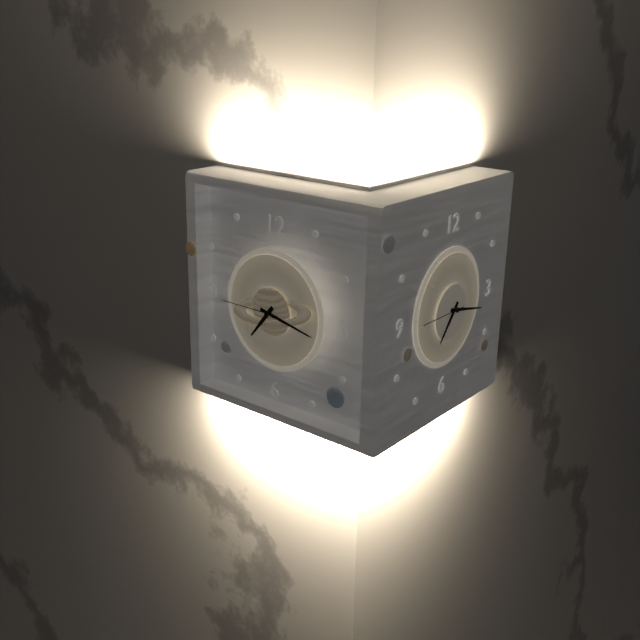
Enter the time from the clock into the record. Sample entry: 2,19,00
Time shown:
7,17,45
